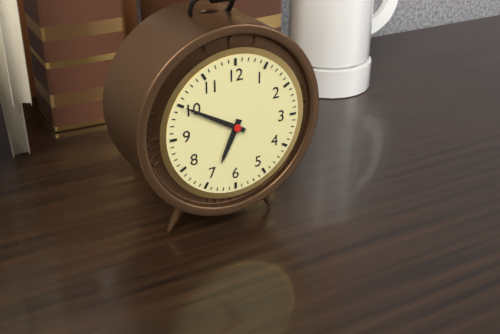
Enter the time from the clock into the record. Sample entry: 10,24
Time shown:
6,50
